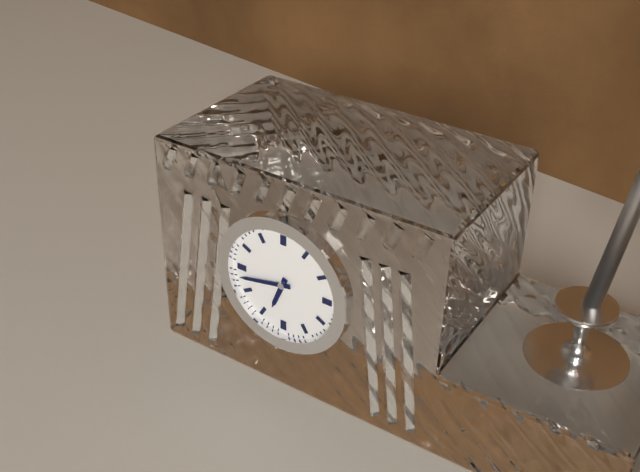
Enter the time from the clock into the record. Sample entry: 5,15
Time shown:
6,43
